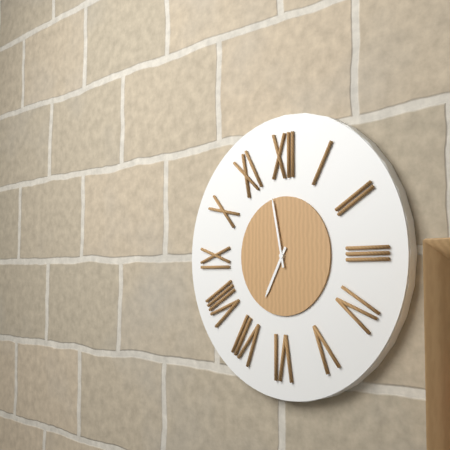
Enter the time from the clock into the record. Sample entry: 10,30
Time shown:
6,58
